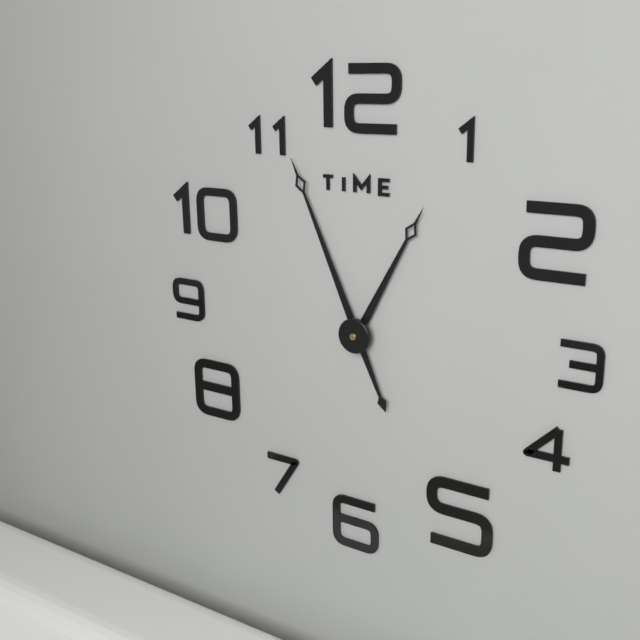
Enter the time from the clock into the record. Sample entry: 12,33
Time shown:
12,56
